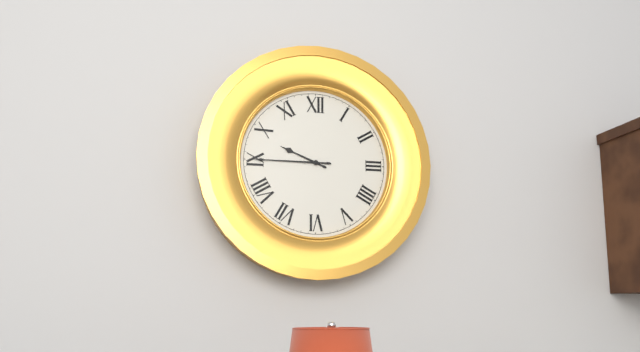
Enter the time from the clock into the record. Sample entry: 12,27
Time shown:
9,45
